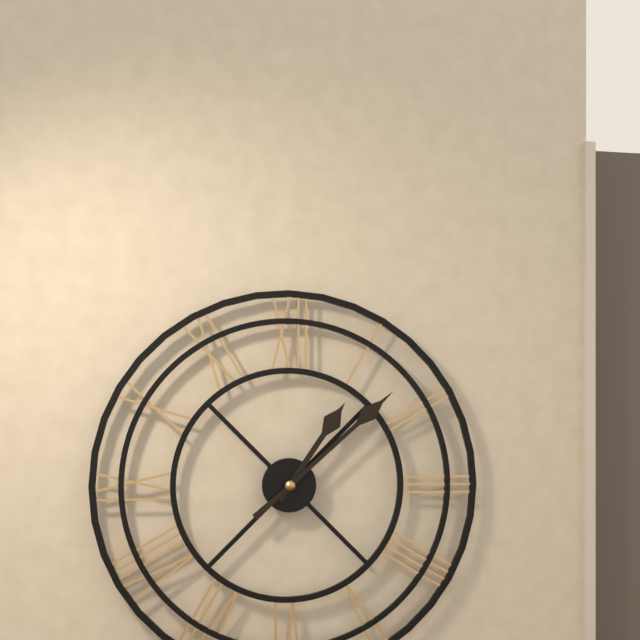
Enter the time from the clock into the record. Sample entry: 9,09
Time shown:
1,08
